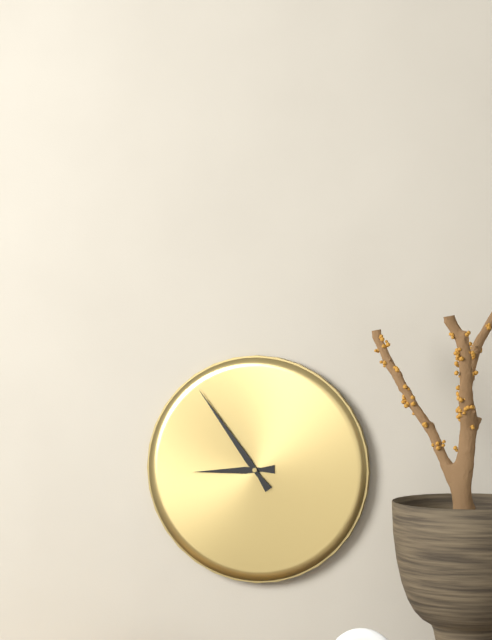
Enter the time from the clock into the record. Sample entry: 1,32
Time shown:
8,54
